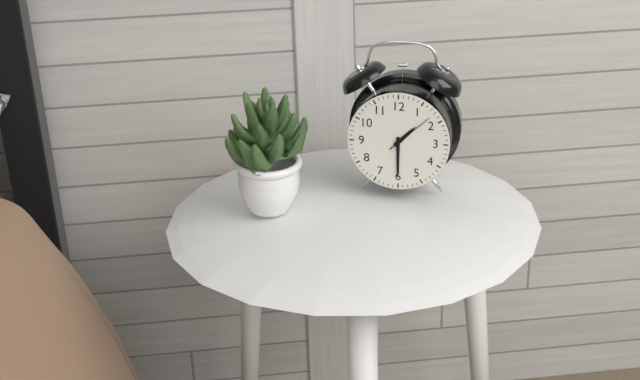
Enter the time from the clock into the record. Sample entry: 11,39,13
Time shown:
1,30,08
